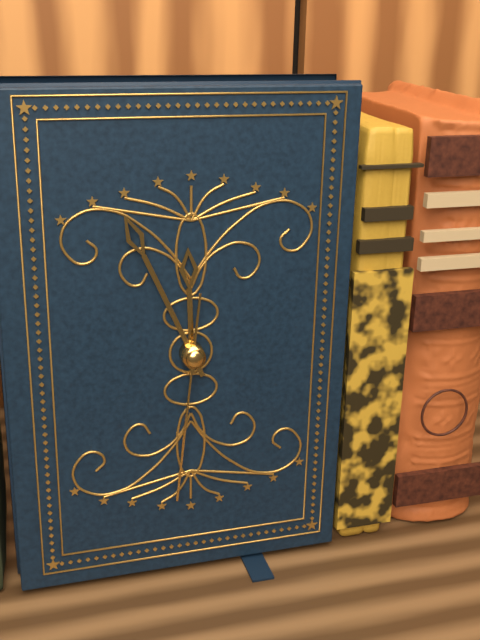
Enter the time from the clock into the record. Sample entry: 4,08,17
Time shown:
11,56,31
